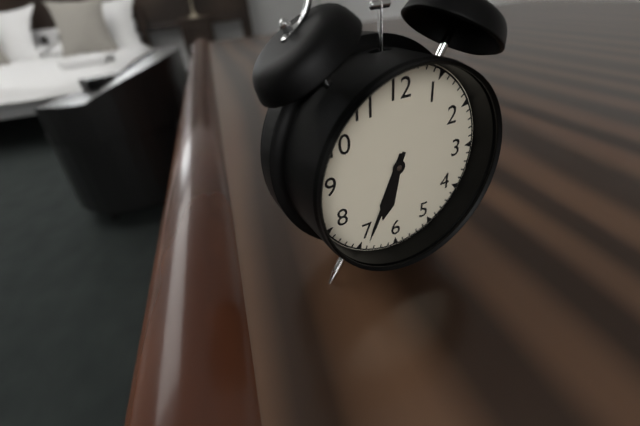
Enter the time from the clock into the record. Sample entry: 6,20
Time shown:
6,34
